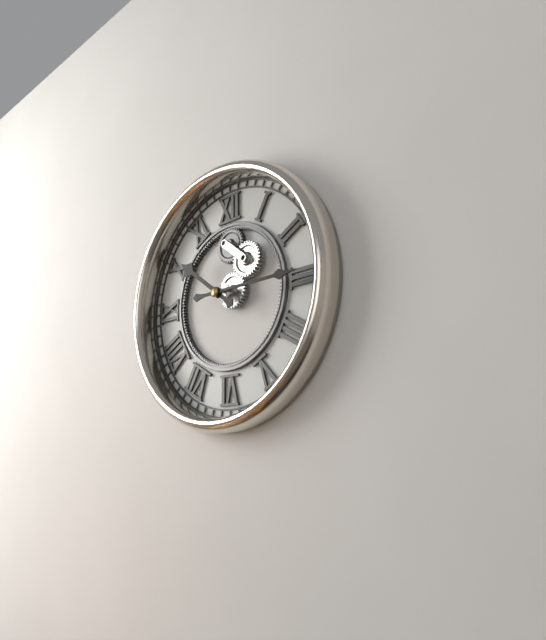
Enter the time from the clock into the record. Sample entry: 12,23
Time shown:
10,15
